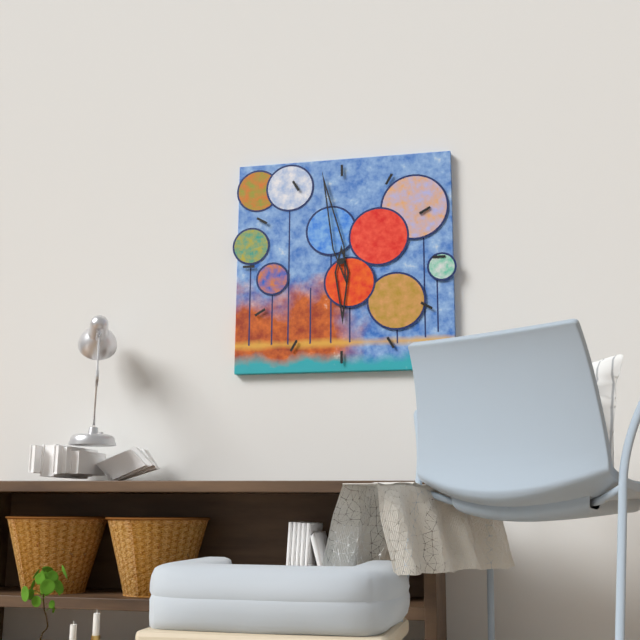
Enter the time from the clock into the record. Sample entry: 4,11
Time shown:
5,58
